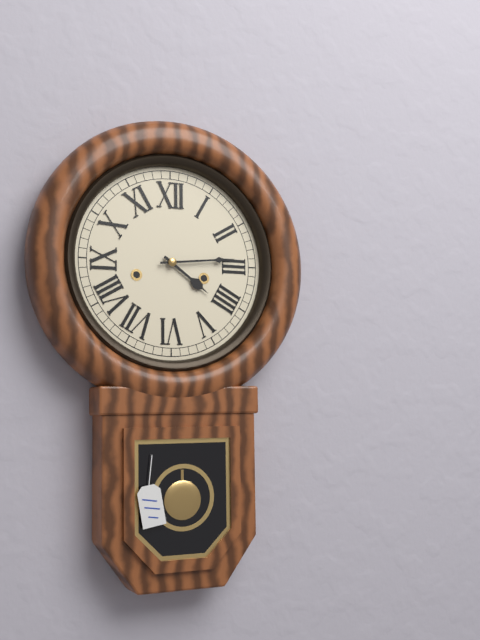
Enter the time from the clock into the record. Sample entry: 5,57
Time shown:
4,14
